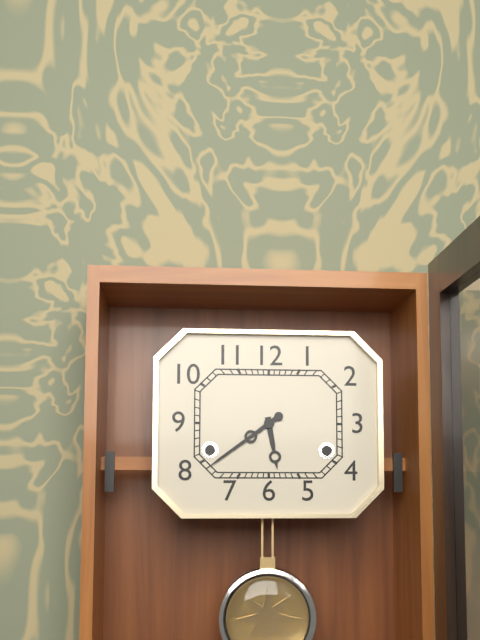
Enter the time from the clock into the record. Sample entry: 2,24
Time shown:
5,39
